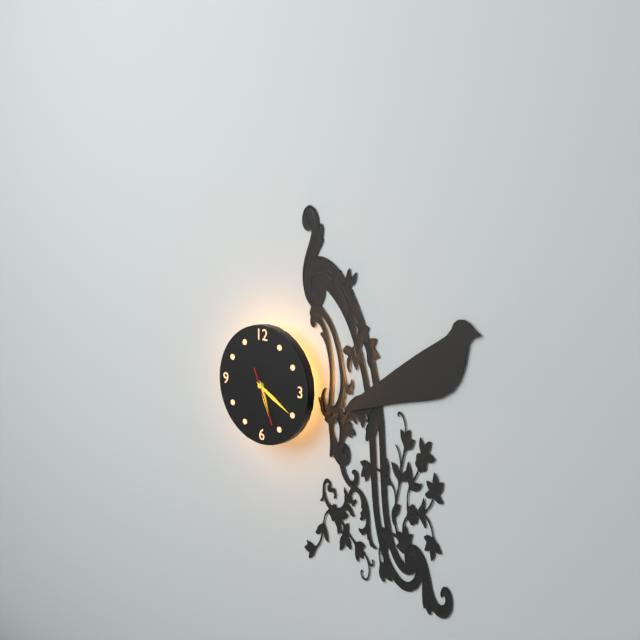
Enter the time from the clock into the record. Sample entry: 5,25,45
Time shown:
5,20,26
